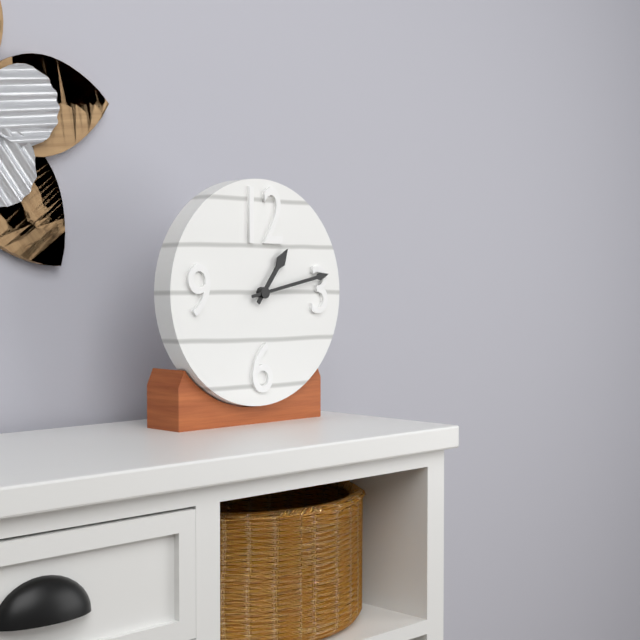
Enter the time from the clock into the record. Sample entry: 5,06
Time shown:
1,13
